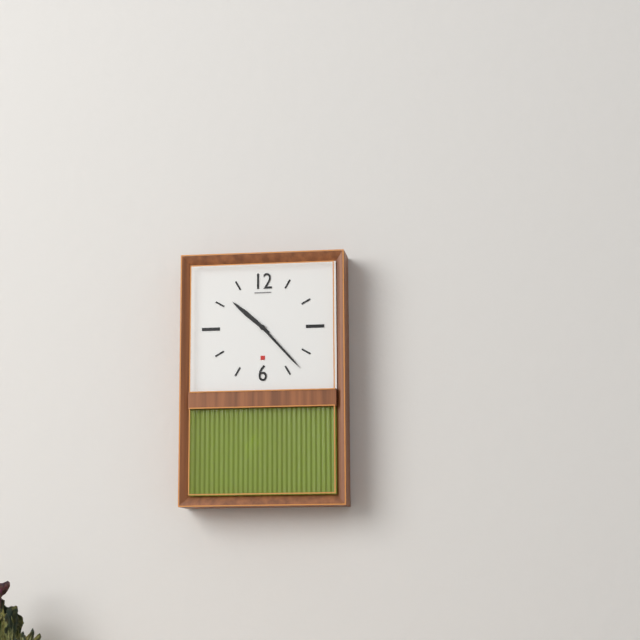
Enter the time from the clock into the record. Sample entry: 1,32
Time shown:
10,23
